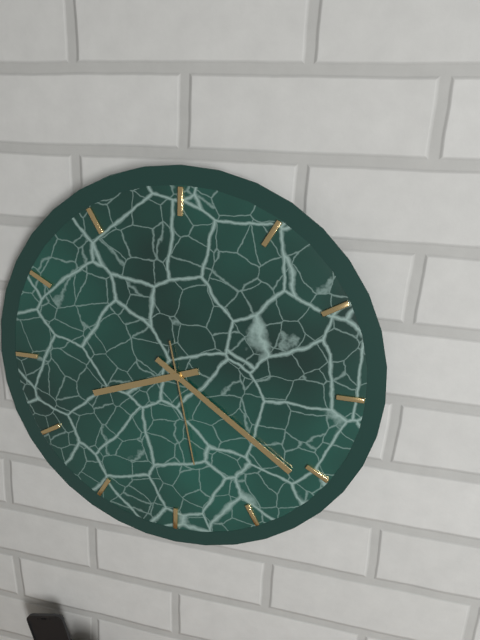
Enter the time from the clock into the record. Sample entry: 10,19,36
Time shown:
8,21,28
